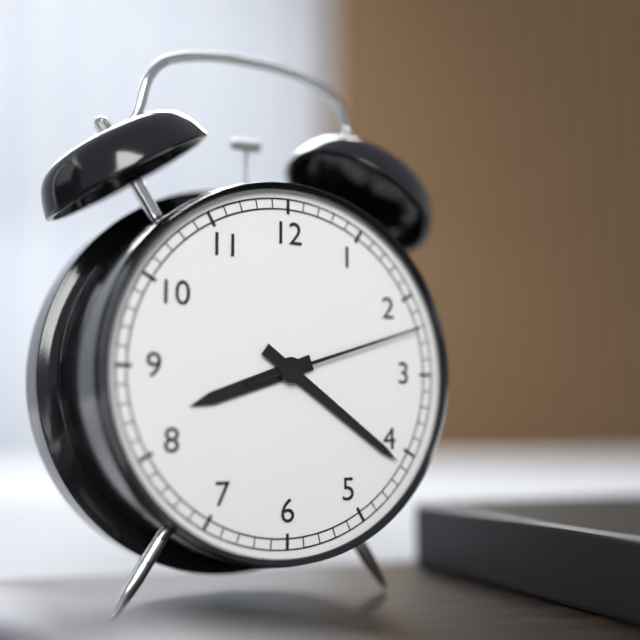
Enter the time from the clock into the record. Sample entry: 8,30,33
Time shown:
8,21,12
